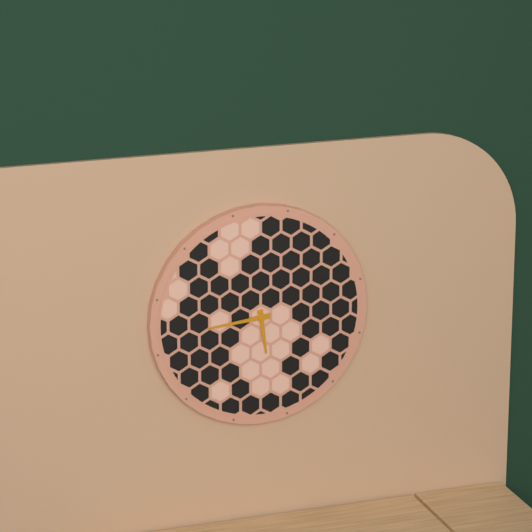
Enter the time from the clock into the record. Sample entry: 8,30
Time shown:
5,44
